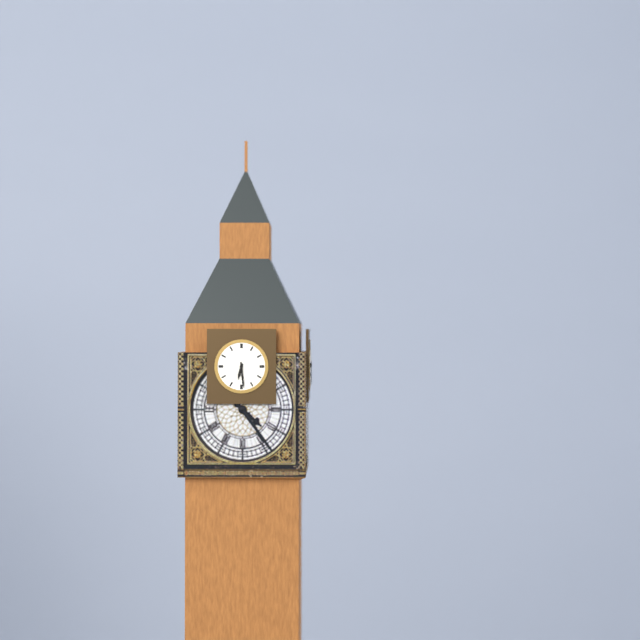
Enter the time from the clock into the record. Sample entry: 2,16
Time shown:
6,29
